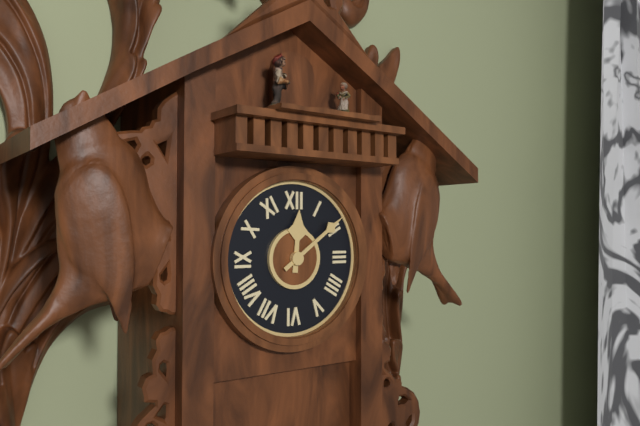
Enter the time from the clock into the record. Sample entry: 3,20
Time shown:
12,09
